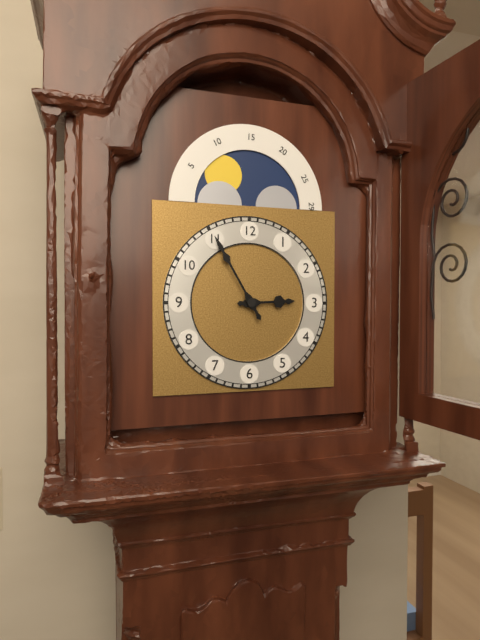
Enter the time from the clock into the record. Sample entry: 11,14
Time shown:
2,55
